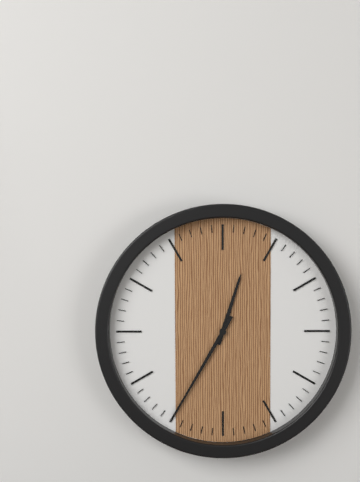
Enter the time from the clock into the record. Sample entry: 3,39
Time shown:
12,35
